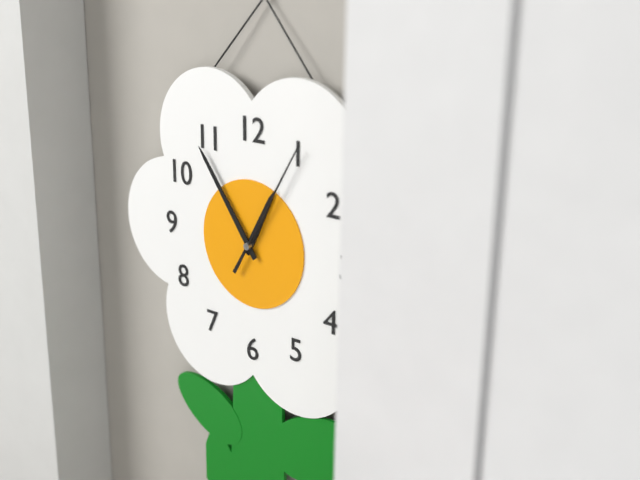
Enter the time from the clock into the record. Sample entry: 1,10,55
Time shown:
12,54,05
